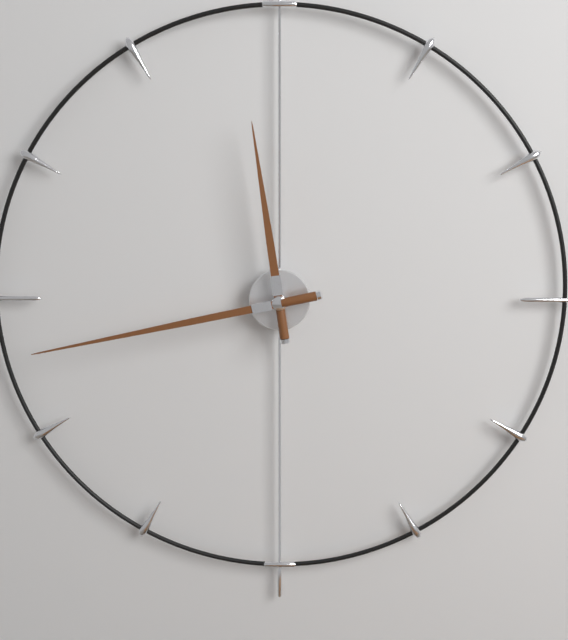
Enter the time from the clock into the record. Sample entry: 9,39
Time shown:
11,43
